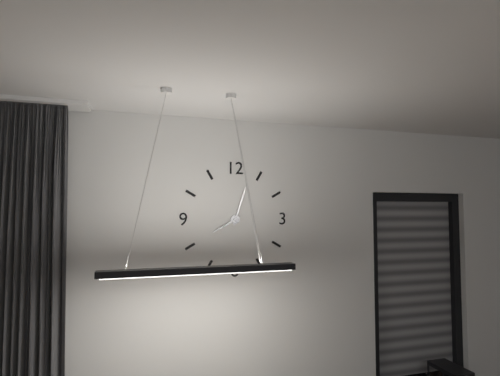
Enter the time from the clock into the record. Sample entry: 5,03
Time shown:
8,03
